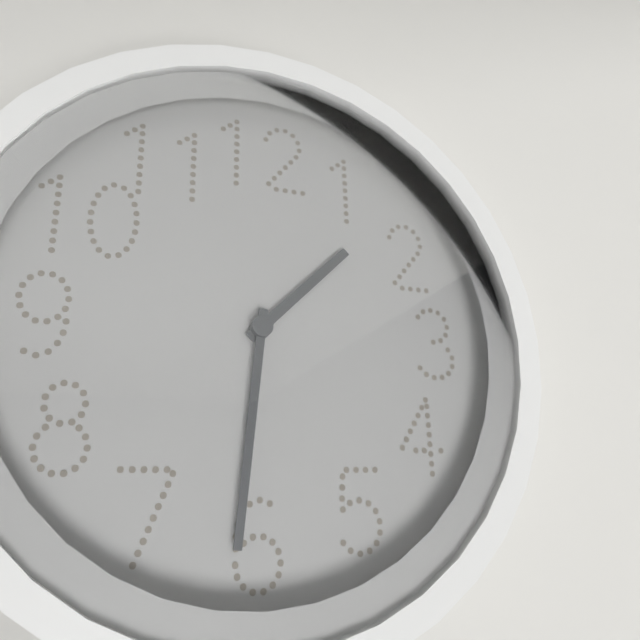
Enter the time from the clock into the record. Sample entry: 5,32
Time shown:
1,31
